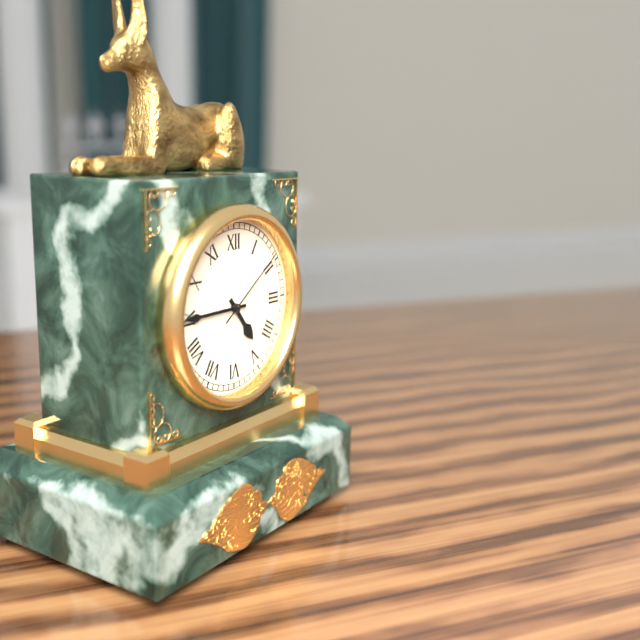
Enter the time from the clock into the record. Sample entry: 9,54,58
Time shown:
4,45,09
